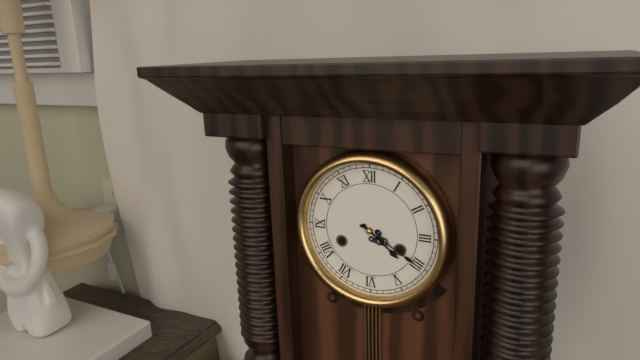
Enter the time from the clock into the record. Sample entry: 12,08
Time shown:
4,20
